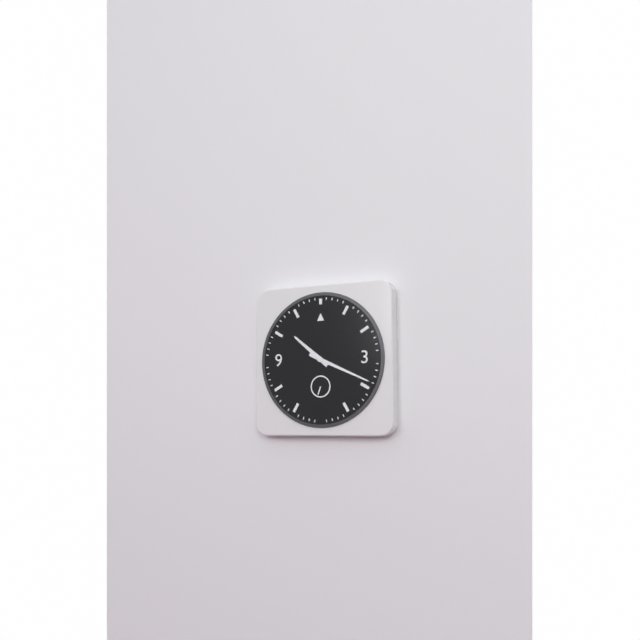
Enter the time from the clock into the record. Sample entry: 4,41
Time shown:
10,19
